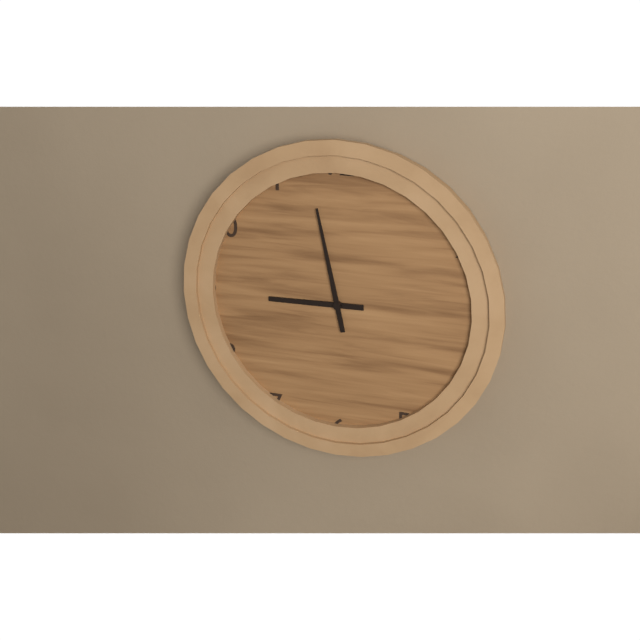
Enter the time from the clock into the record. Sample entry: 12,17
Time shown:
8,58
